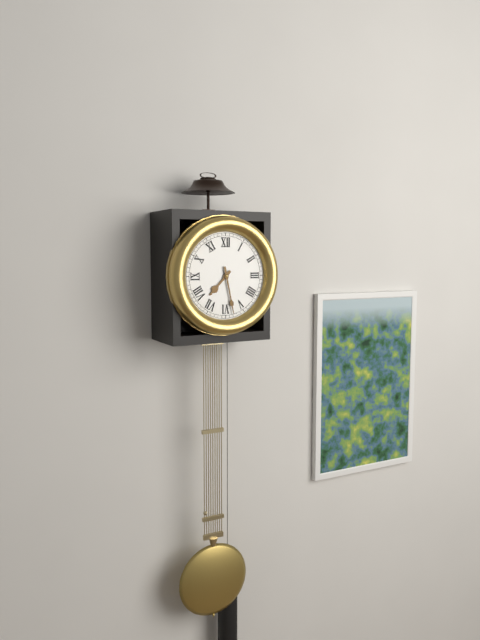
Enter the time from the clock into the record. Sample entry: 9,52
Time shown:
7,28
